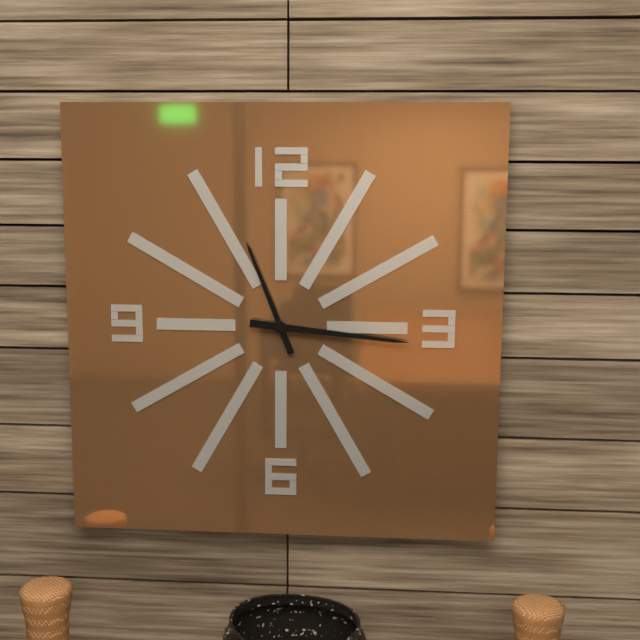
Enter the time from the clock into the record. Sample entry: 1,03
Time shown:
11,16
